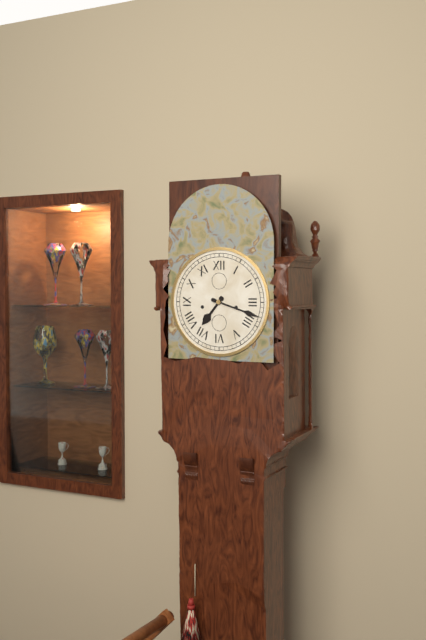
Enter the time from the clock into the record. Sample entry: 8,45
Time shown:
7,18
